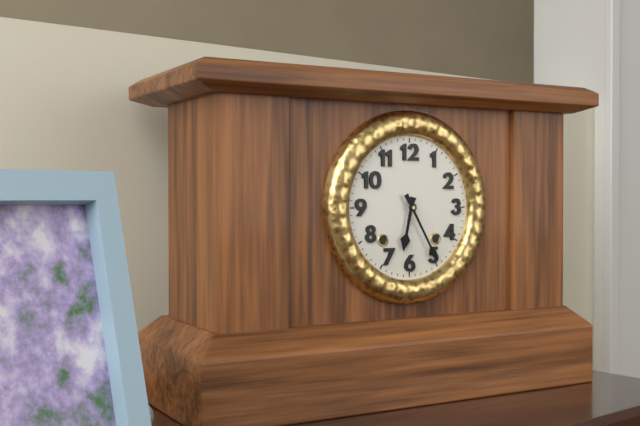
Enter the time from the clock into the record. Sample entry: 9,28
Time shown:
6,25
